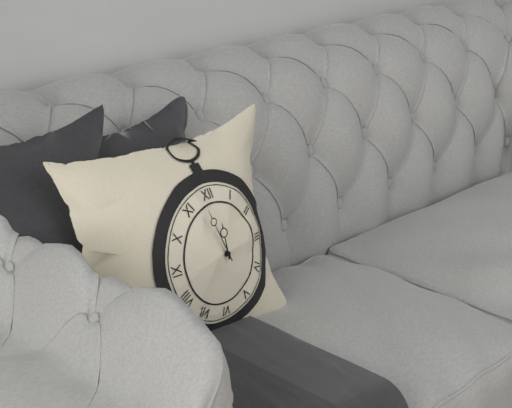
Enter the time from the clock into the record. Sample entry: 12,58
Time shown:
11,57
